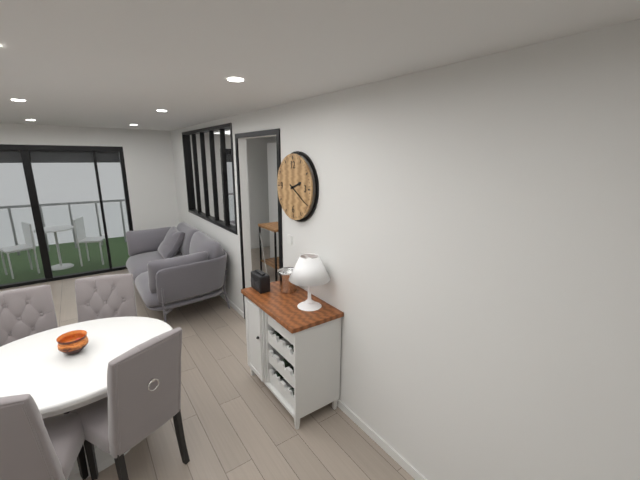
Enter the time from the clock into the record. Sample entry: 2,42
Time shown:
2,20
